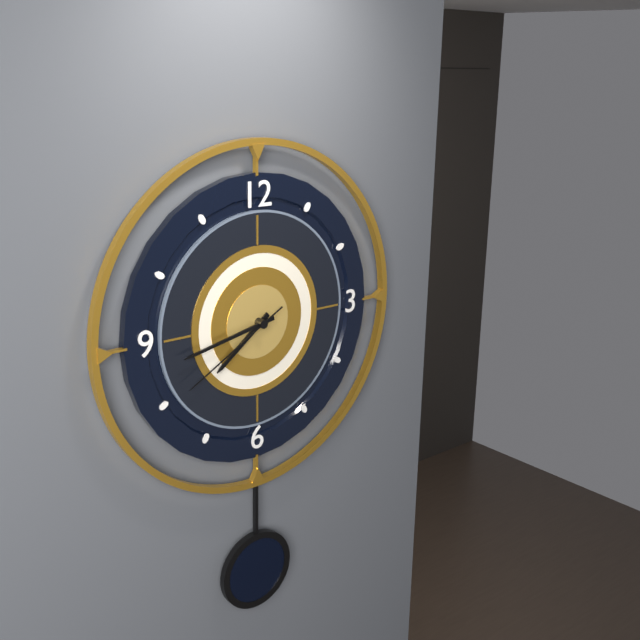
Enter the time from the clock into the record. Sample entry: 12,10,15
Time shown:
7,43,40
